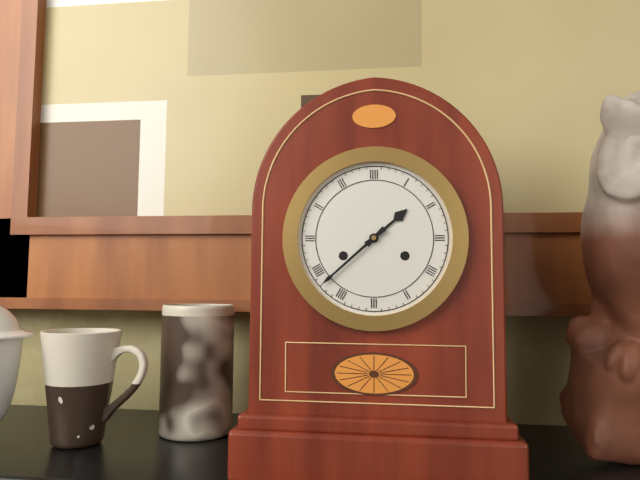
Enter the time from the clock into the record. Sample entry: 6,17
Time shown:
1,38
